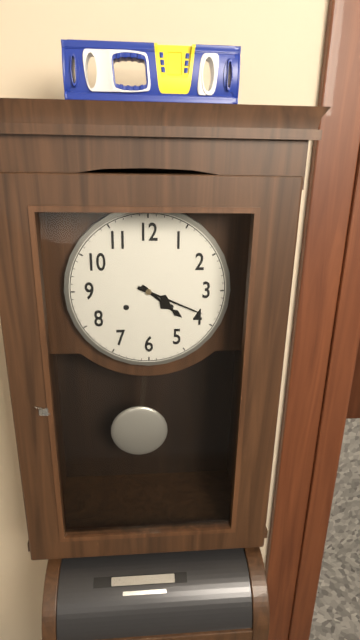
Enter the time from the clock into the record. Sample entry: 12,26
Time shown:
4,19
